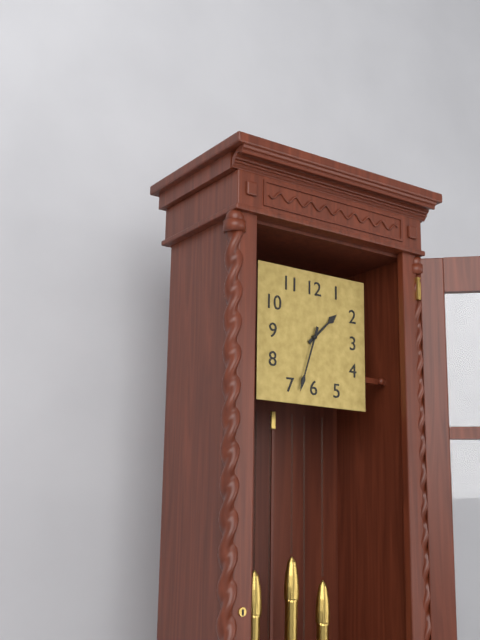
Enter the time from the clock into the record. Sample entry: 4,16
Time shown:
1,33
